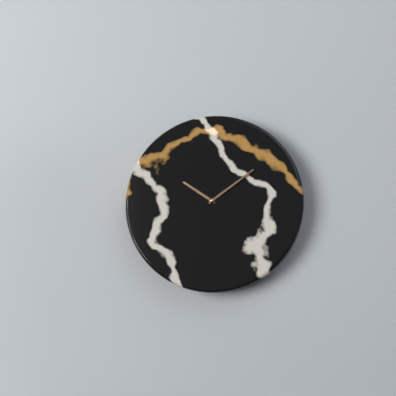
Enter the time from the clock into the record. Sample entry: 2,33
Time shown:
10,09
